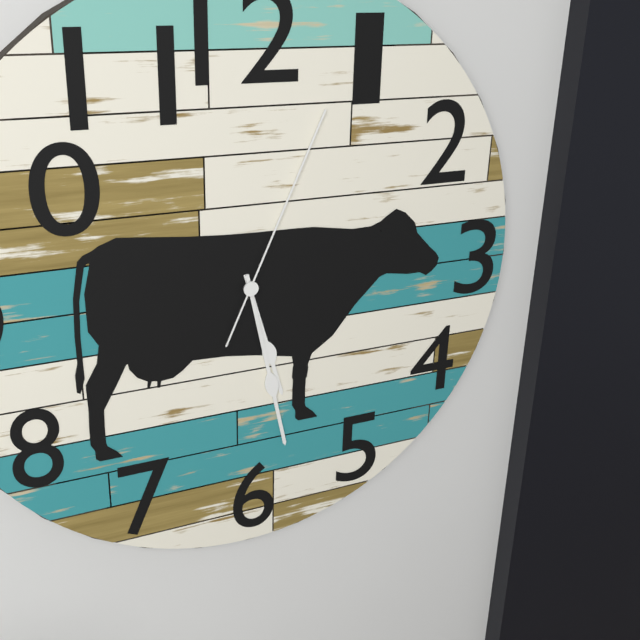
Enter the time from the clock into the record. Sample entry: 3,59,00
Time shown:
5,28,04
